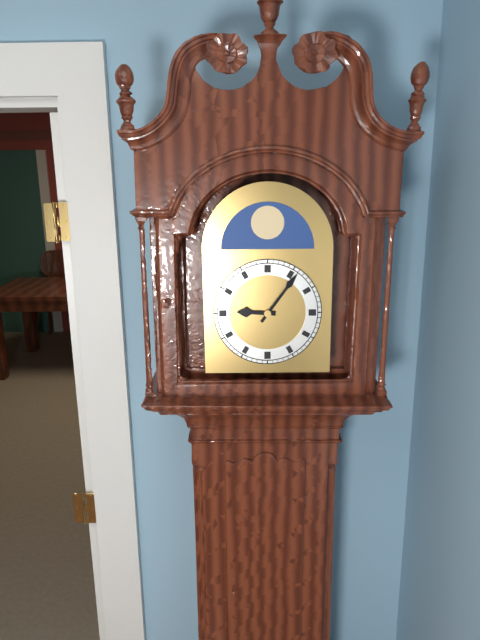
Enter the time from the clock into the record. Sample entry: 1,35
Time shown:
9,06
